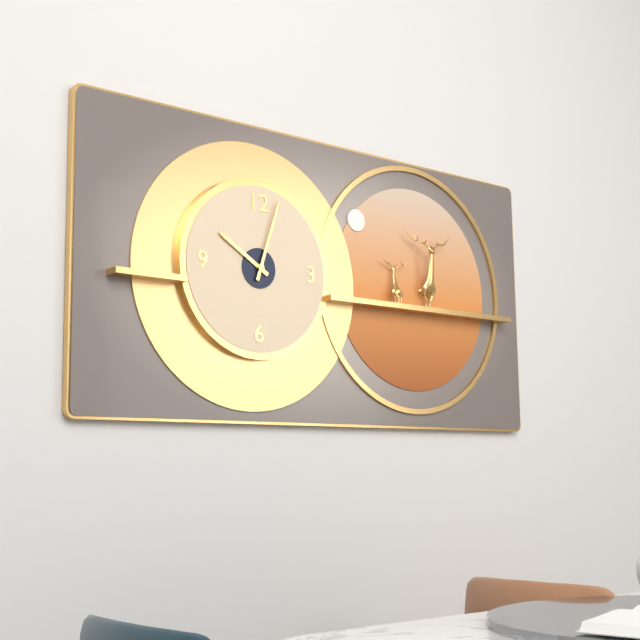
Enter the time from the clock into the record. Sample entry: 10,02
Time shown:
10,03
